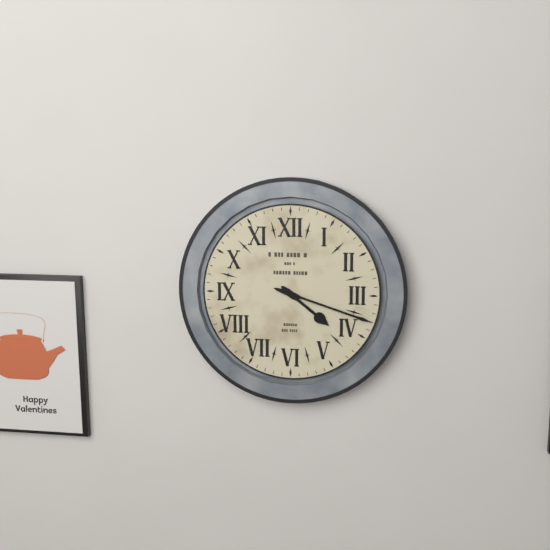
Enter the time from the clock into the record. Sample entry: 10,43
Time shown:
4,18
